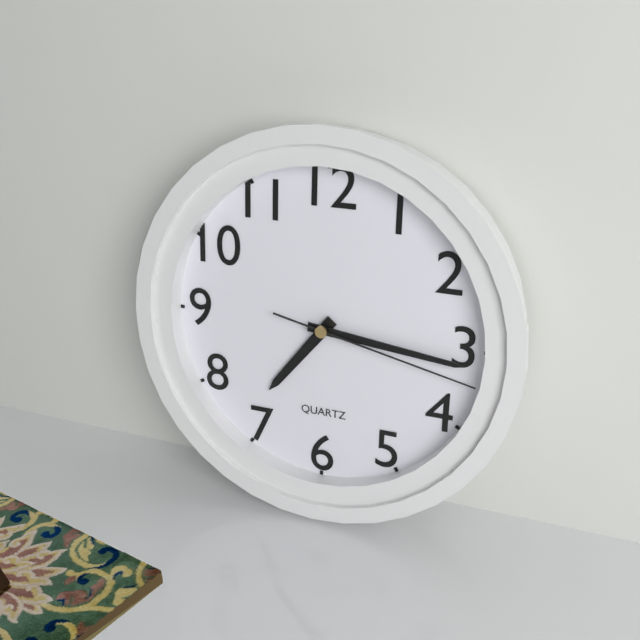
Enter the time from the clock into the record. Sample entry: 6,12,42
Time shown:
7,16,17
